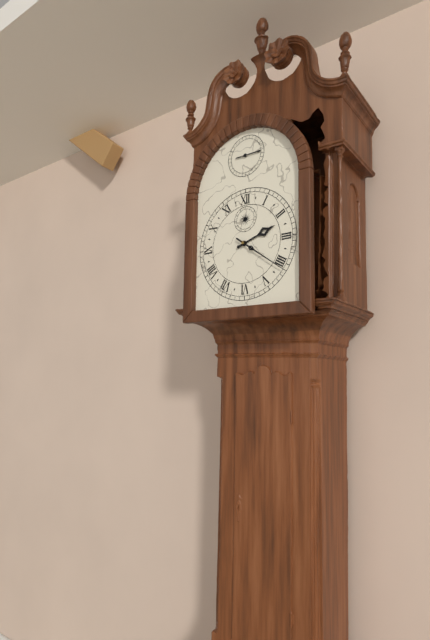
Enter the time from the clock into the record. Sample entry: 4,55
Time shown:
2,21
